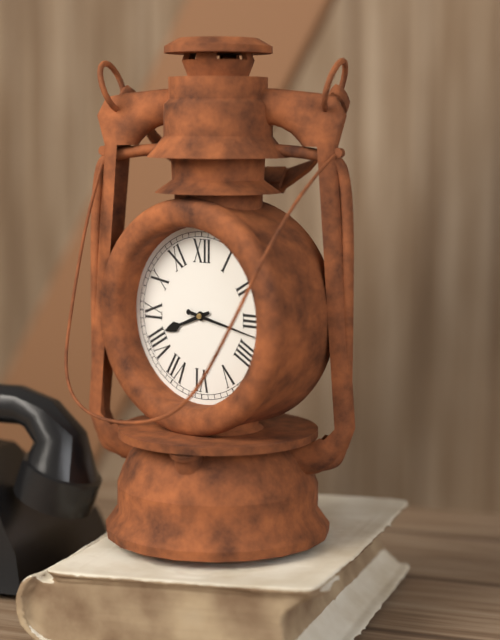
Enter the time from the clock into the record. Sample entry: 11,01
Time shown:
8,17
